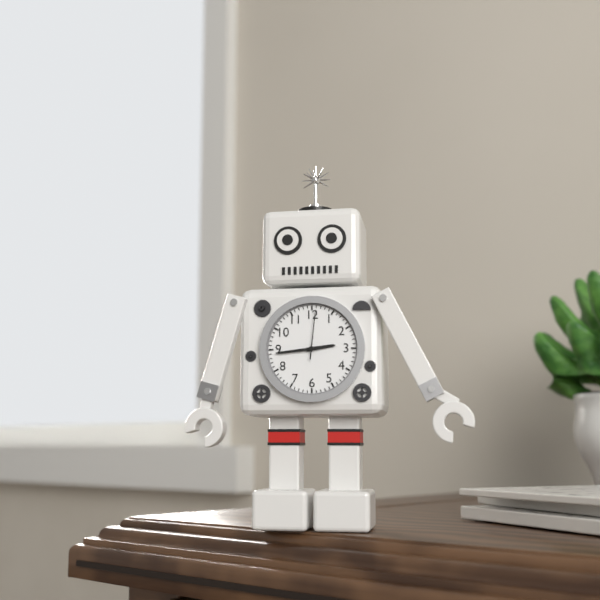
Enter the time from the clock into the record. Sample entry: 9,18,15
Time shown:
2,44,01
